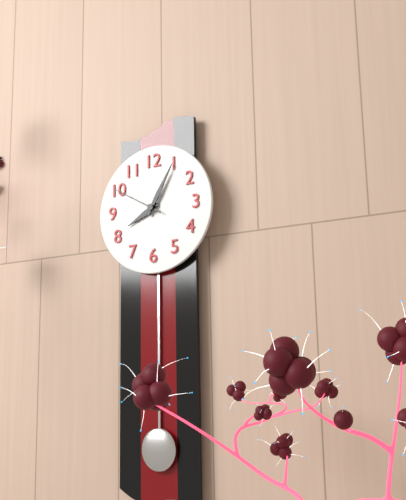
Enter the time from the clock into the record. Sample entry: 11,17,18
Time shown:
8,05,50
